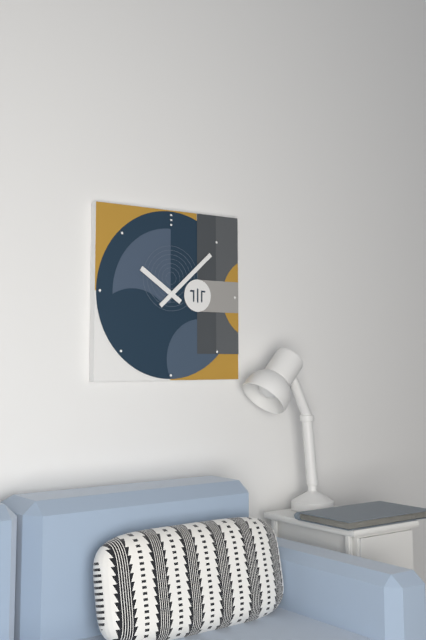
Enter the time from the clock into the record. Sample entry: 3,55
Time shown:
10,08
